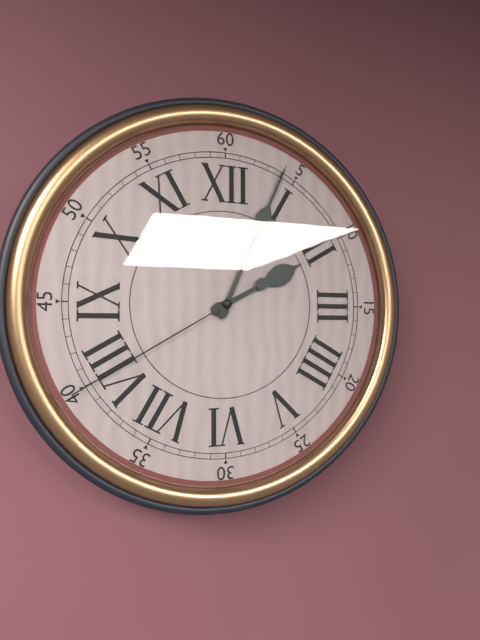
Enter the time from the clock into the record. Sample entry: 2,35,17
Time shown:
2,04,40
